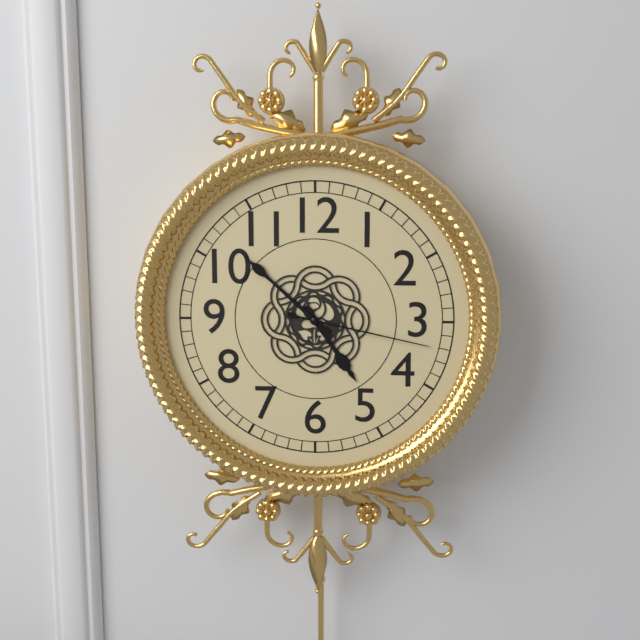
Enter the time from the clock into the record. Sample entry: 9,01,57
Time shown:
4,52,17
